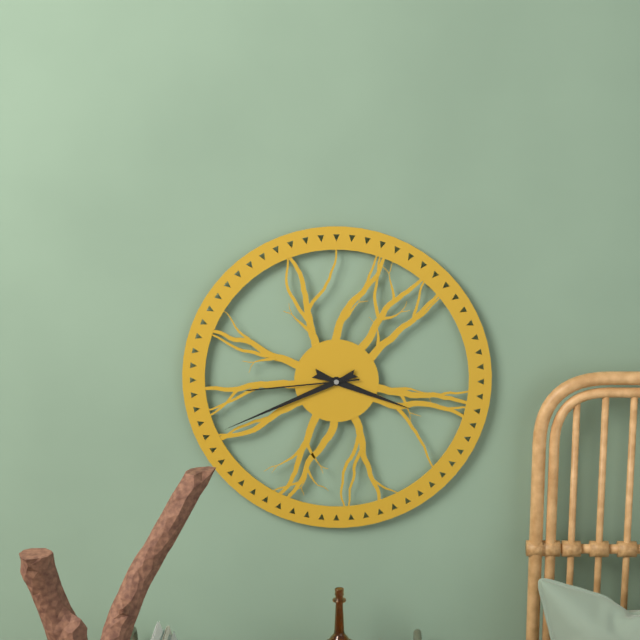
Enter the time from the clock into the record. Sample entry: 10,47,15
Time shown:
3,41,44
